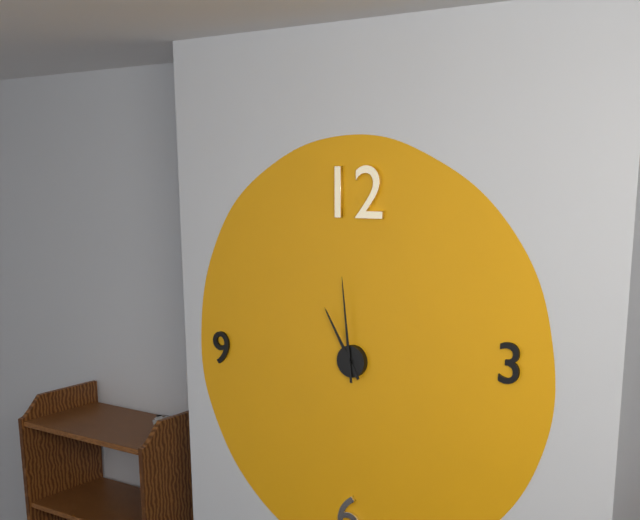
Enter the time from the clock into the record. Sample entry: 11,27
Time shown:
10,59
